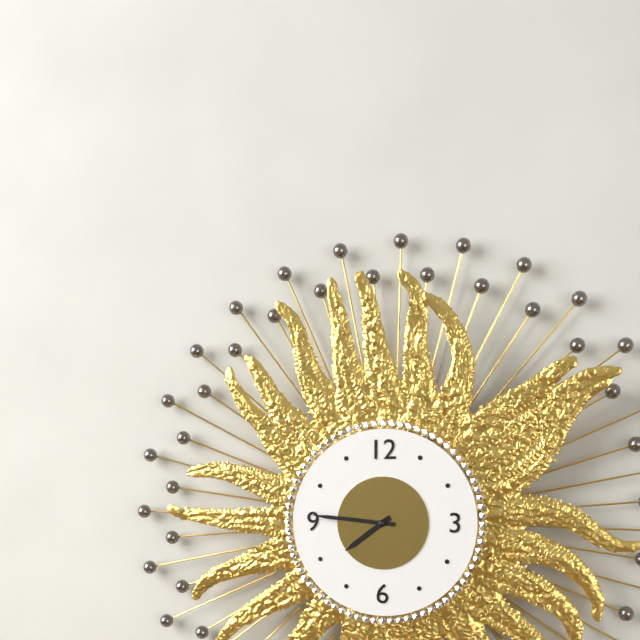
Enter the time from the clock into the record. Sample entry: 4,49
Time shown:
7,46
